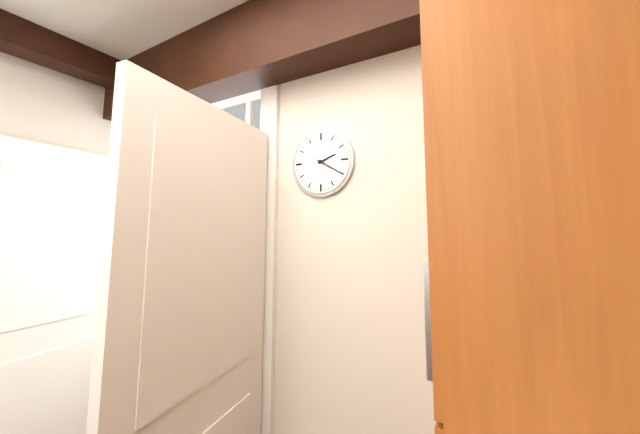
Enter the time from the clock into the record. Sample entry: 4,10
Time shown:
2,20
